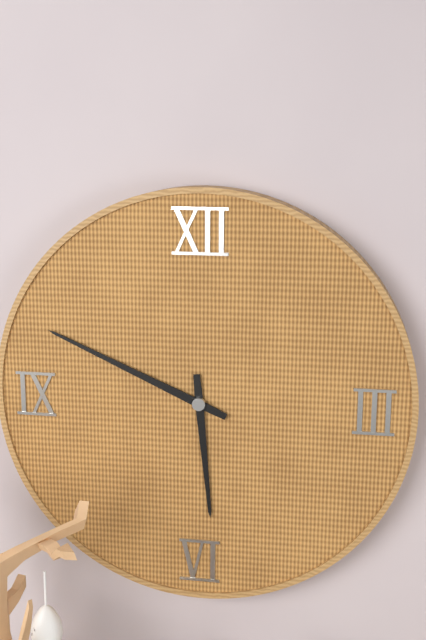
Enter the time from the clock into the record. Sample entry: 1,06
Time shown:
5,49
